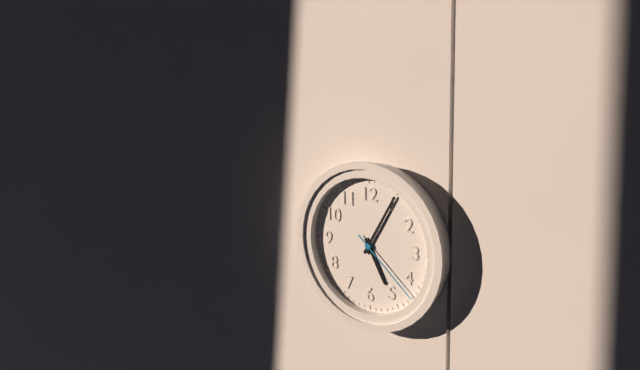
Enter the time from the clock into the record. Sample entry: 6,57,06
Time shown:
5,05,22
